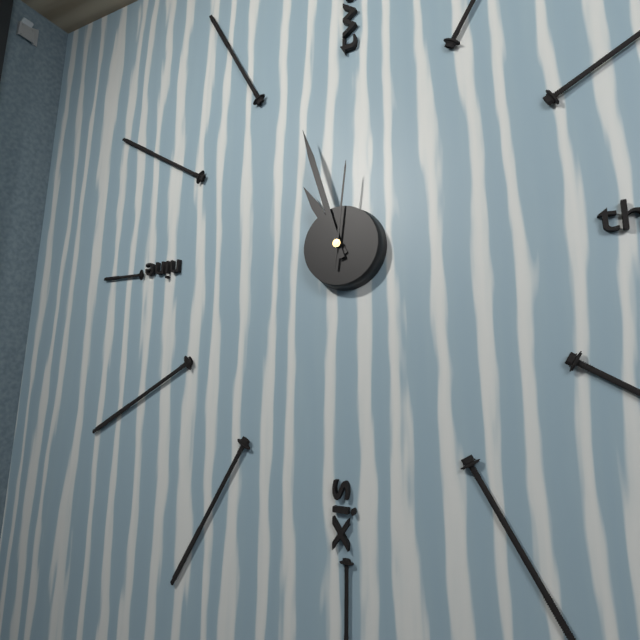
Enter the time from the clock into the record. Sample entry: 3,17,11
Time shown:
10,57,01
